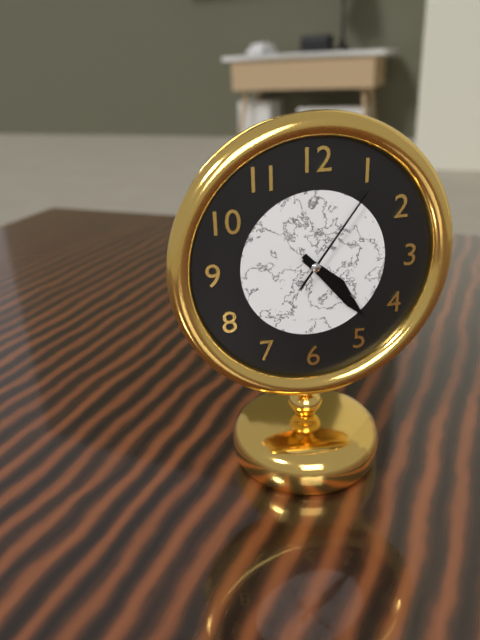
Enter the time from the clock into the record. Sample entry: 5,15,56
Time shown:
4,23,06
